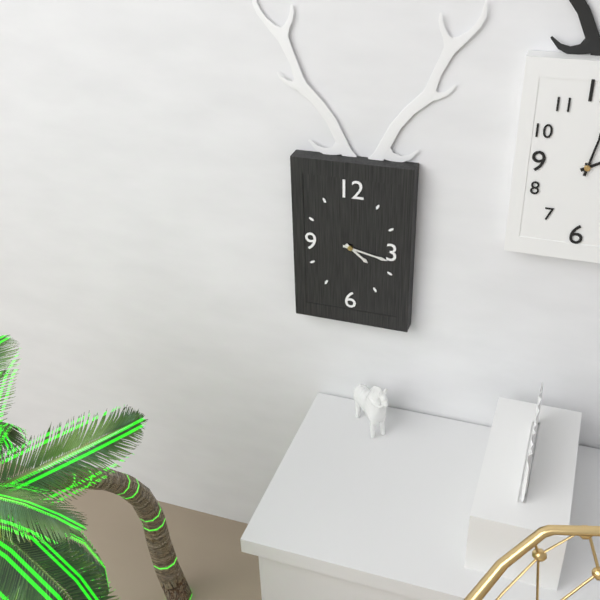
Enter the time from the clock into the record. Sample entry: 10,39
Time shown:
4,17
